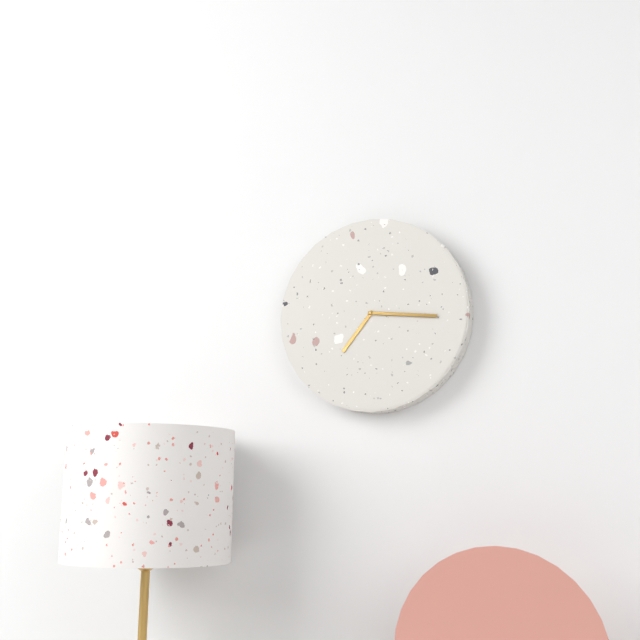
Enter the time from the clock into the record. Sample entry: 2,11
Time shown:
7,16
